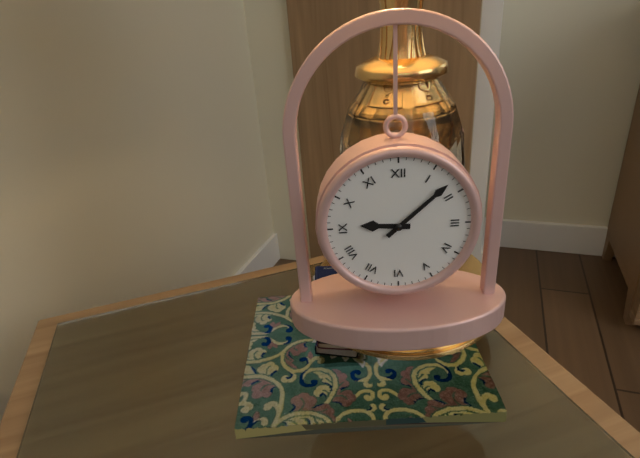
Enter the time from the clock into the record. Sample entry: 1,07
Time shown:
9,08
